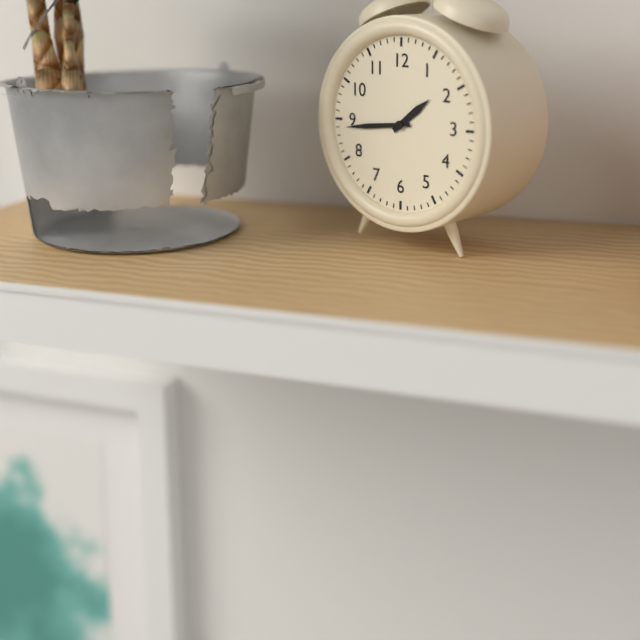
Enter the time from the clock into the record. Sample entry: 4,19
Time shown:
1,44
